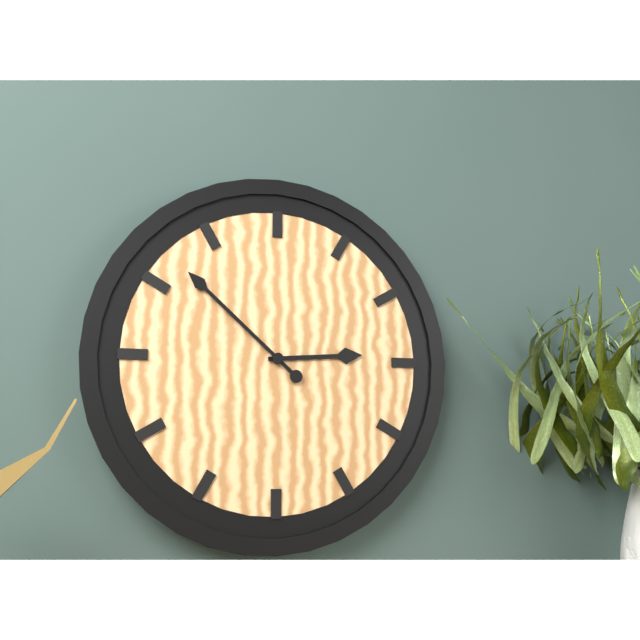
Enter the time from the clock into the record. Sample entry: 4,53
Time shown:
2,52
